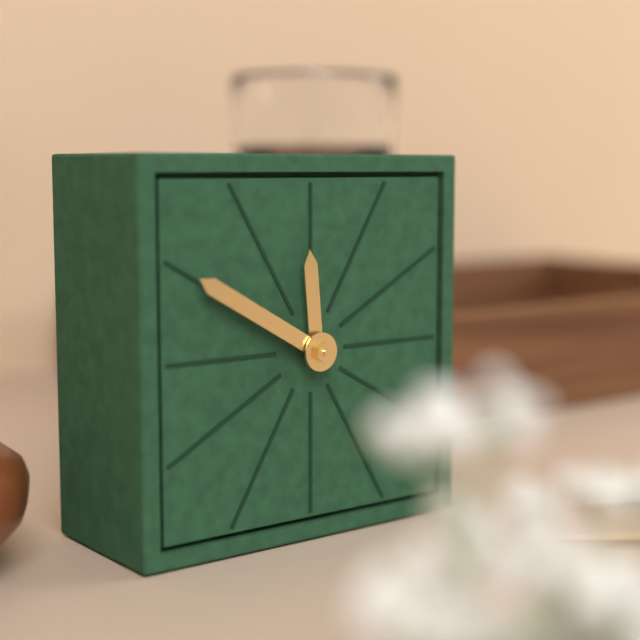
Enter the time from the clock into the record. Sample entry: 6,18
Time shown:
11,50
